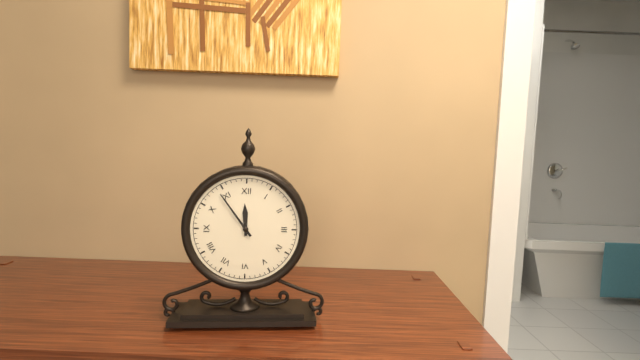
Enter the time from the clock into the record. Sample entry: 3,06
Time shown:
11,54
